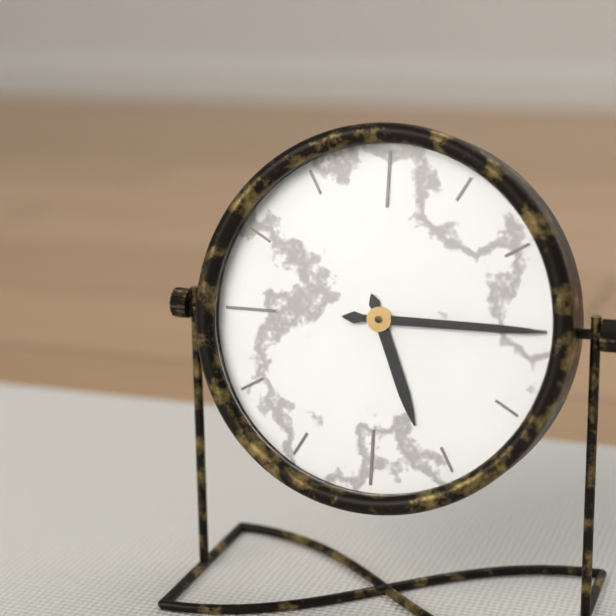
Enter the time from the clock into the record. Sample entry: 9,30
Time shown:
5,15
